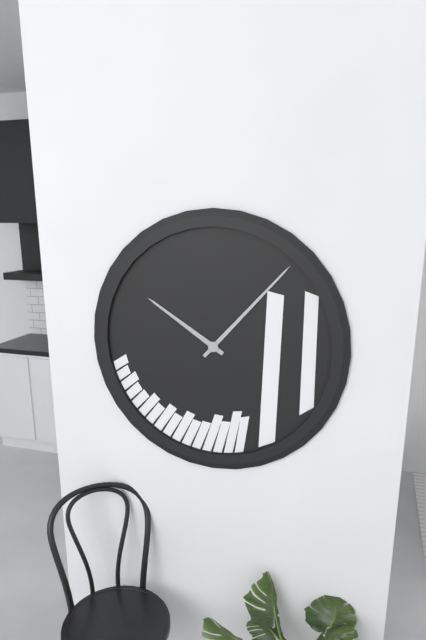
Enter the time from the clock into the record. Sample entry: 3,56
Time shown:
10,07
